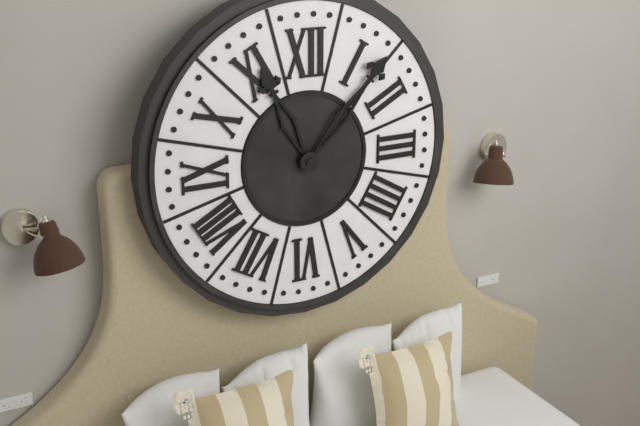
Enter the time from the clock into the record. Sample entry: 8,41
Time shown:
11,07
